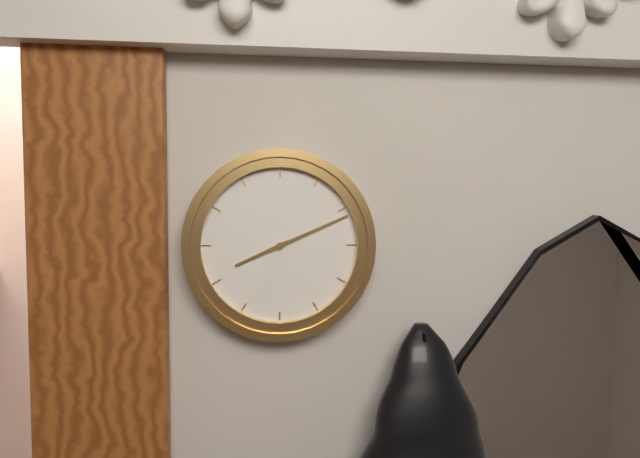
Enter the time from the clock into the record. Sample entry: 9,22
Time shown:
8,11
